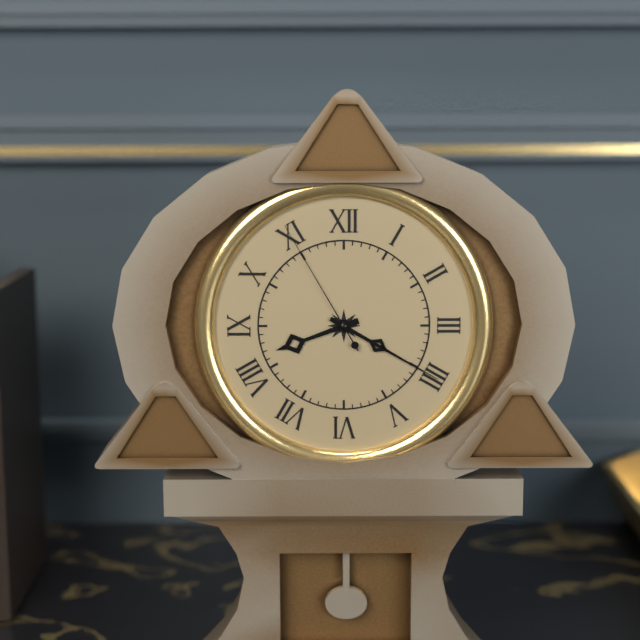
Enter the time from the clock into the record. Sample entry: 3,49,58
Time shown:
8,20,55
